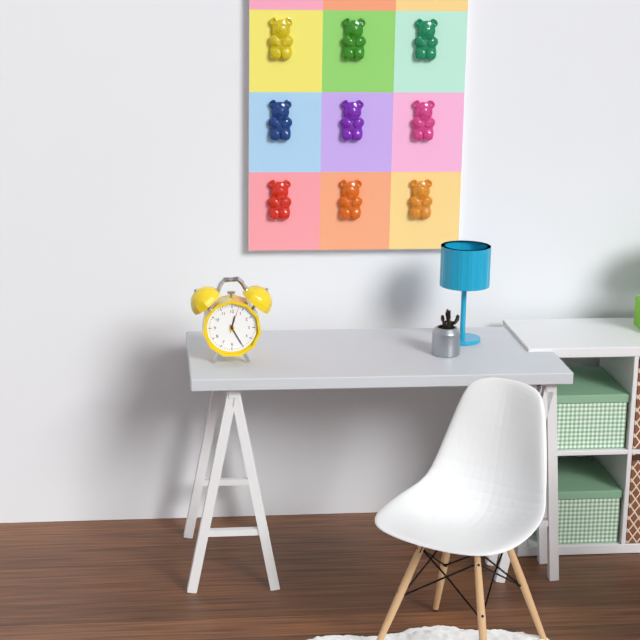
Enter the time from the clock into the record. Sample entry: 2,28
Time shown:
12,25
